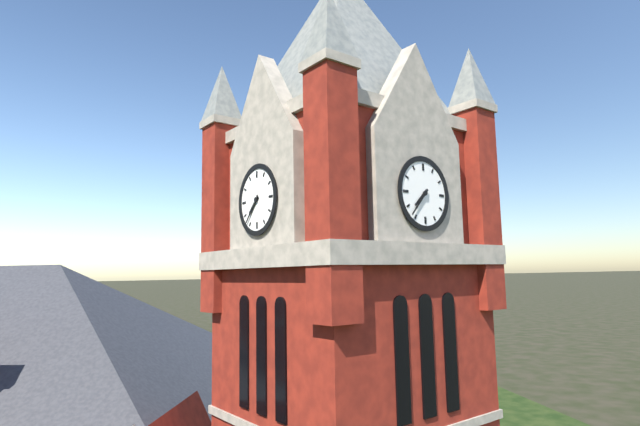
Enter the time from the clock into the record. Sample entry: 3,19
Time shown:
7,37
